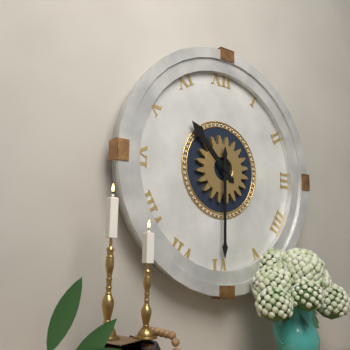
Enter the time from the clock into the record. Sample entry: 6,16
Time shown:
10,30
